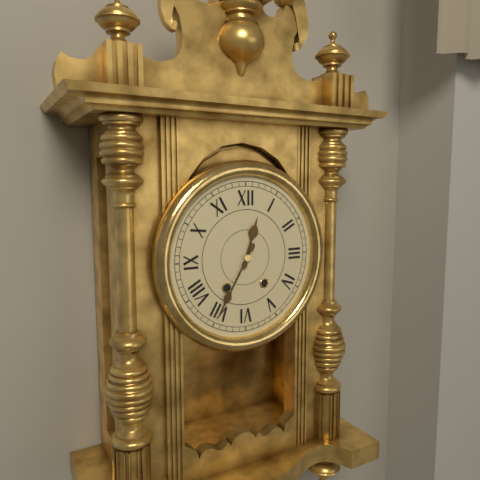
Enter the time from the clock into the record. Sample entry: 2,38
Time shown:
12,35
